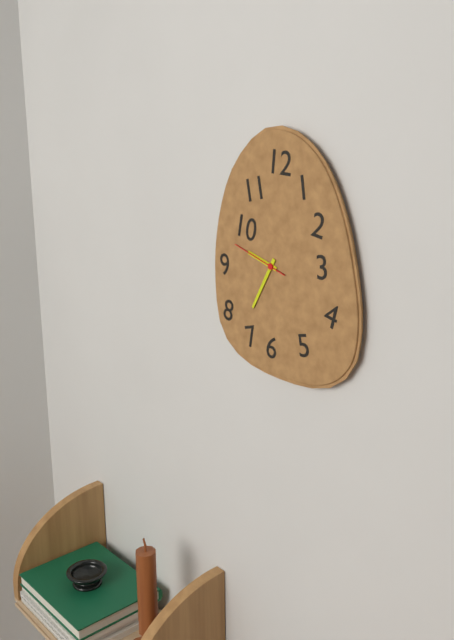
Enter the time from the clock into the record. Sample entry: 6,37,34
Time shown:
9,35,48
